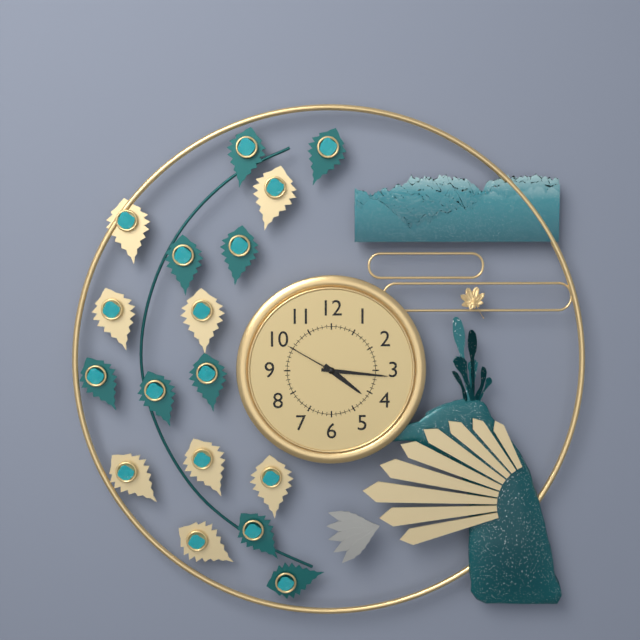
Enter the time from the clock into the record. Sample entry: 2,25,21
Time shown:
4,16,50
